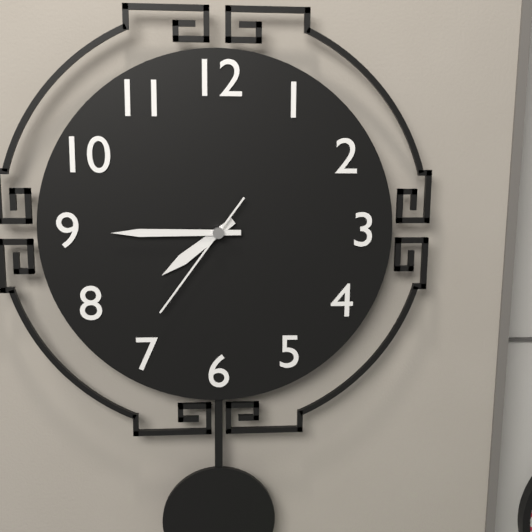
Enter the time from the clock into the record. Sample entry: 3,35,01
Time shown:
7,45,36
